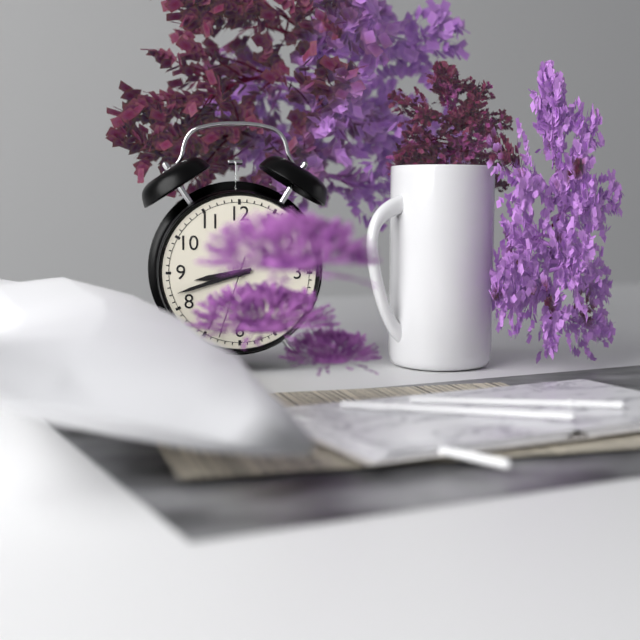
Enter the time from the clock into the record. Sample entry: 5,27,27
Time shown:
8,42,33
